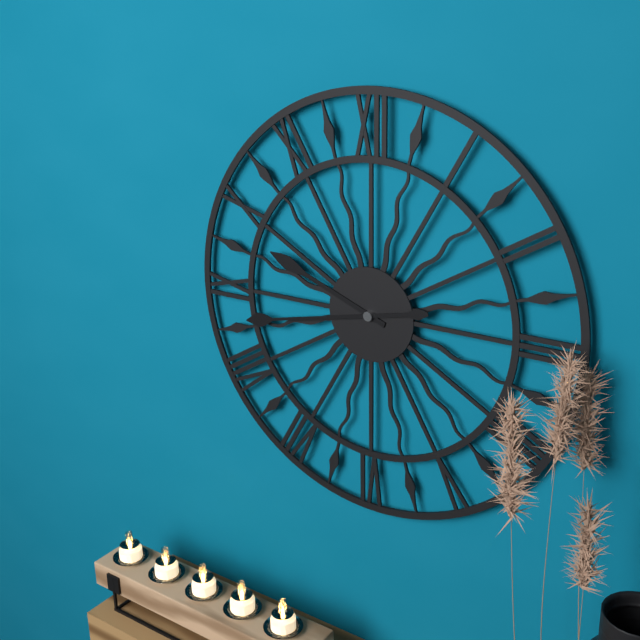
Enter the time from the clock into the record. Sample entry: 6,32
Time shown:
9,43
